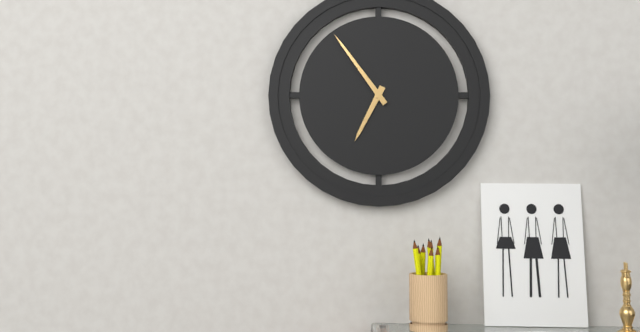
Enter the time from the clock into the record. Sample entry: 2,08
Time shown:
6,54
